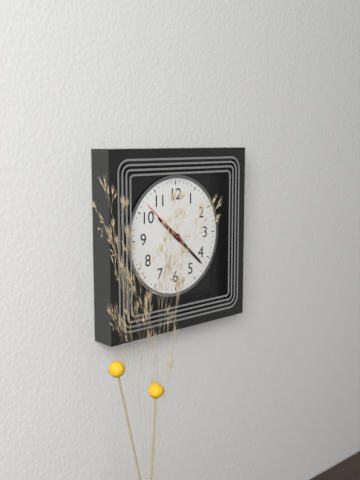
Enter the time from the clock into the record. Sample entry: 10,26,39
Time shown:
10,22,52
